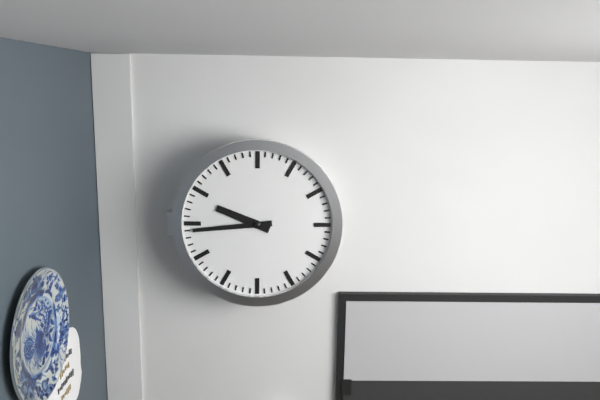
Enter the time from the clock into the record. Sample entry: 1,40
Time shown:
9,44
